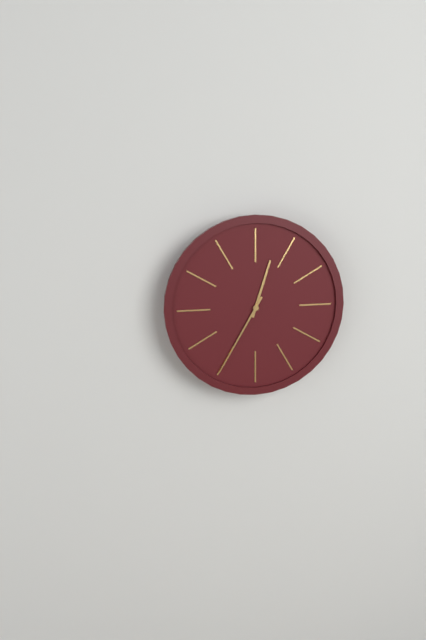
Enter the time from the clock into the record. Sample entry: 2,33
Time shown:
12,35
